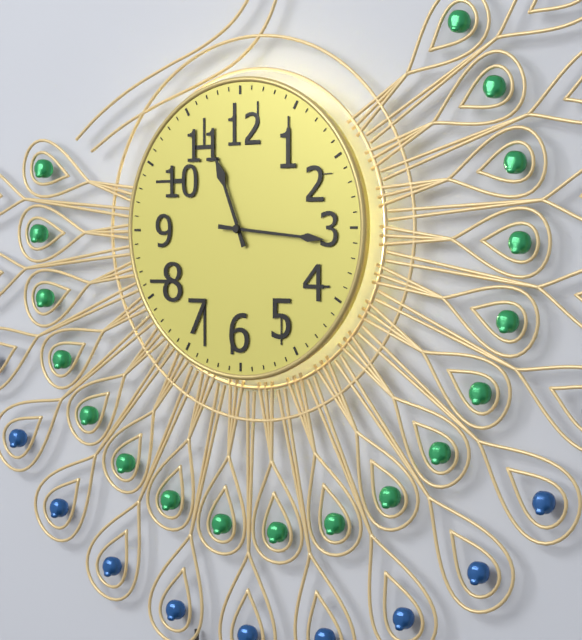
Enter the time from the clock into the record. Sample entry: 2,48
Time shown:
11,16
